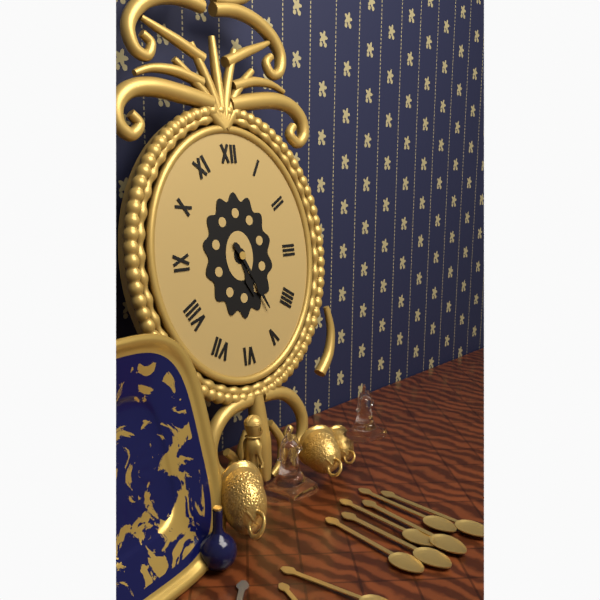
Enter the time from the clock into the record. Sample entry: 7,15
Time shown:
5,25
